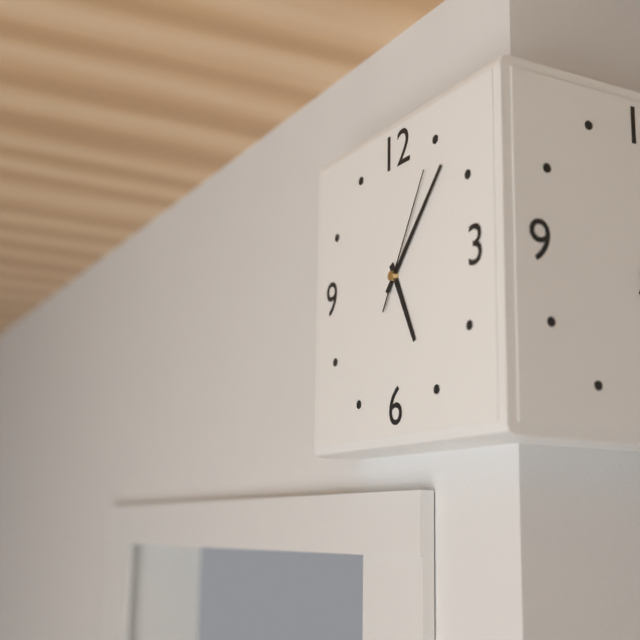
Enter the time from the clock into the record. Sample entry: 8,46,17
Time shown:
5,07,05
